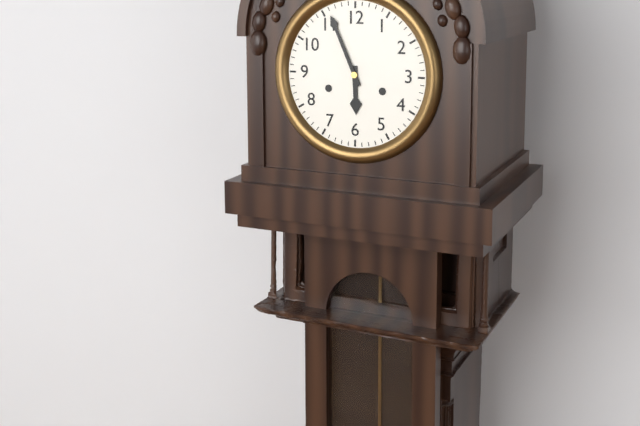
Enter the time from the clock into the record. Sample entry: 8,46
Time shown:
5,56
